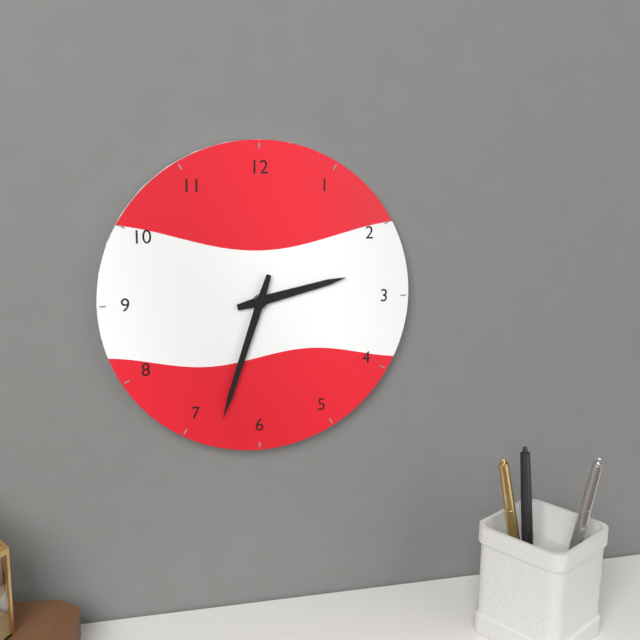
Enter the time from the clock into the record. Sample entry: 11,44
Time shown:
2,33
